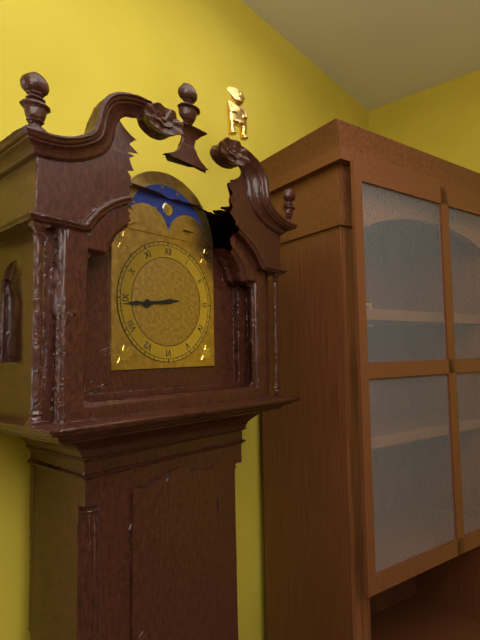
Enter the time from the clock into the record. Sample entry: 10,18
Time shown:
8,44
